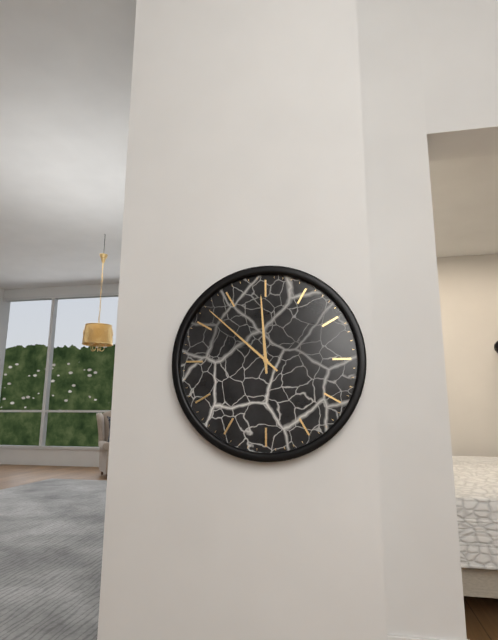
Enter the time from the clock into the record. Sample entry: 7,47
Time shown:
11,52
